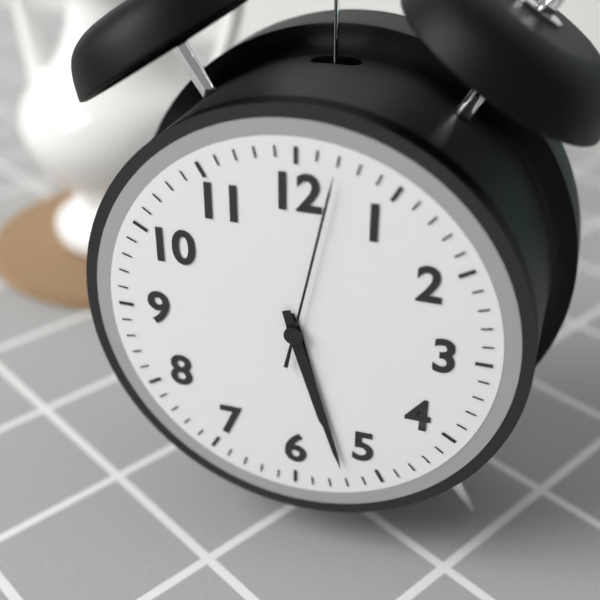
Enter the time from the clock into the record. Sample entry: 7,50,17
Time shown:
5,27,02
